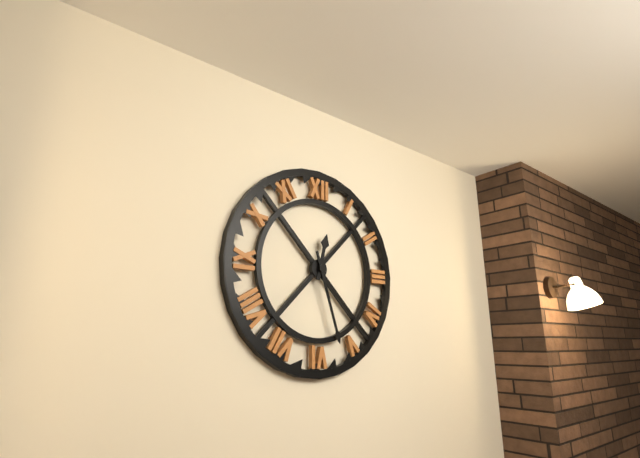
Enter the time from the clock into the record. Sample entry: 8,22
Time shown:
12,27
